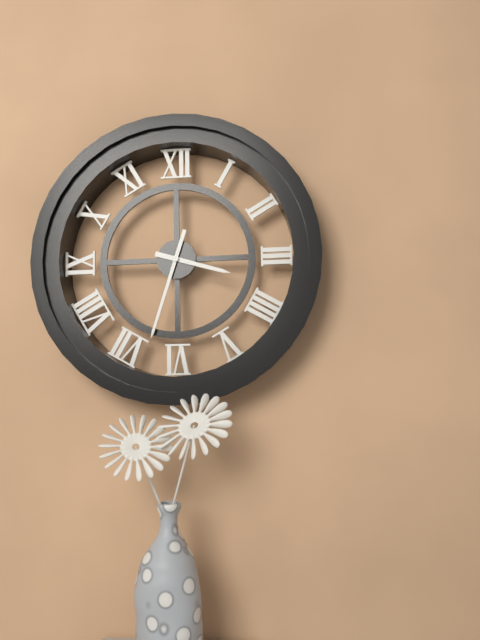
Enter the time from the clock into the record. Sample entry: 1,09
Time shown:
3,33
